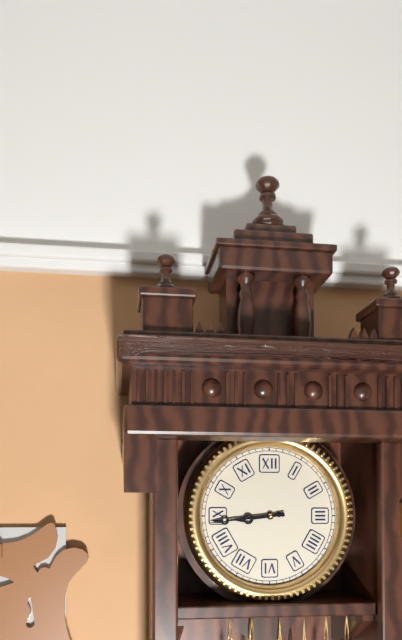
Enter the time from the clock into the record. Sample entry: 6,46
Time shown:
8,44
